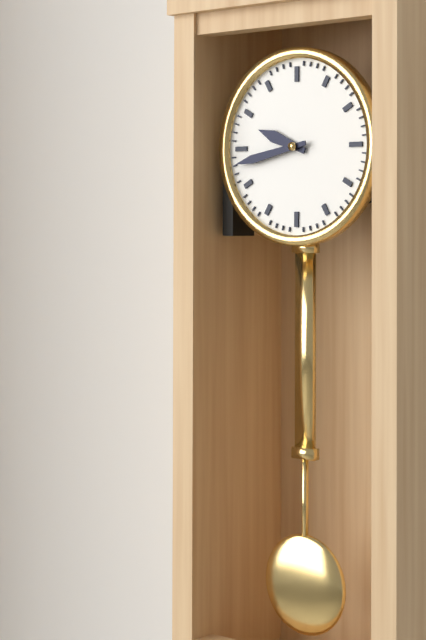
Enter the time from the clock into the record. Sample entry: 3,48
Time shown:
9,43
